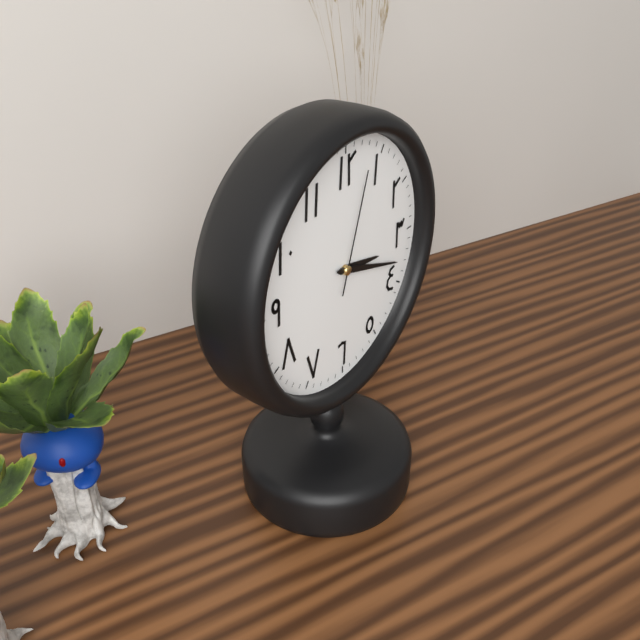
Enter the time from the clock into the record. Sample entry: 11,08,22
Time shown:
3,18,03
